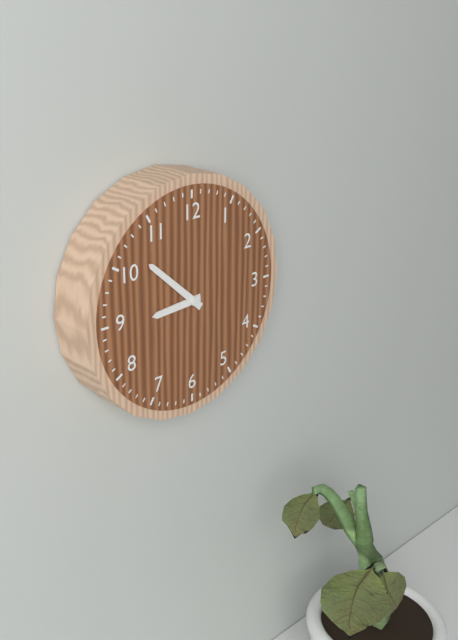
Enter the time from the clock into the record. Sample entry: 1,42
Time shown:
8,52
